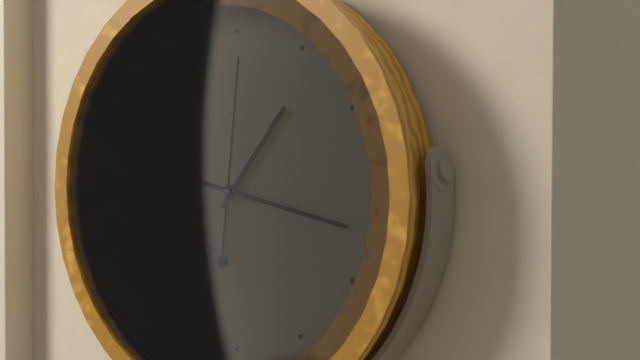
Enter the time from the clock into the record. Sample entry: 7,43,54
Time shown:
1,17,01
